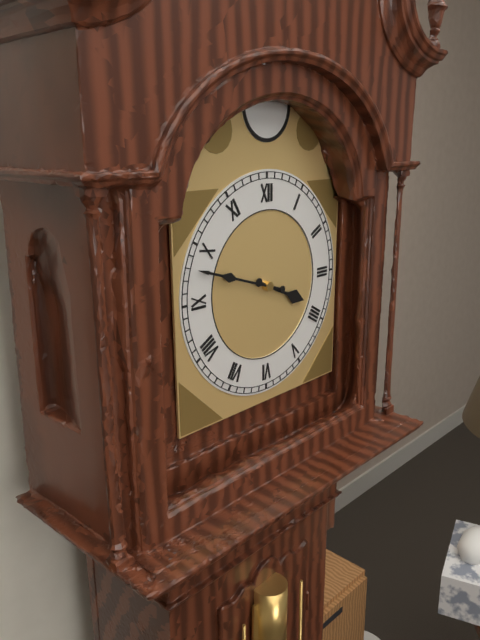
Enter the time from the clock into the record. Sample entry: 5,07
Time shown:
3,48
